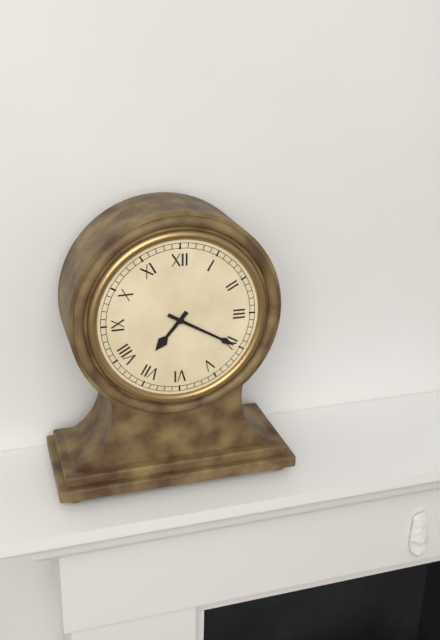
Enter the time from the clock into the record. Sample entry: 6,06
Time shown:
7,20
